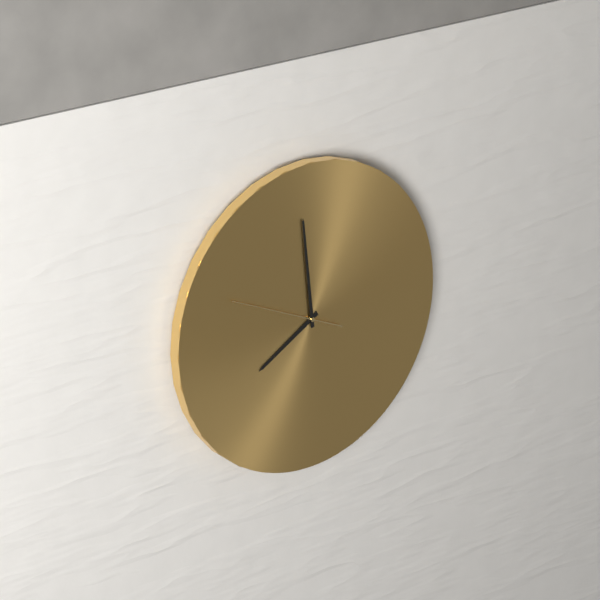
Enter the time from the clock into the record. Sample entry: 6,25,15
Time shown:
7,59,49
